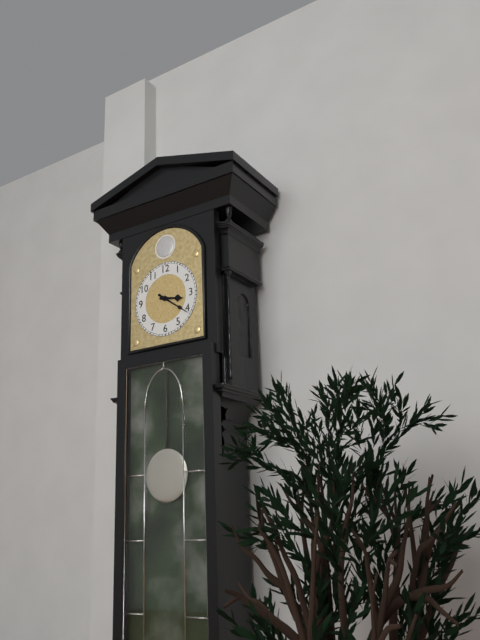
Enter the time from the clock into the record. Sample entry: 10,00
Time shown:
3,21
